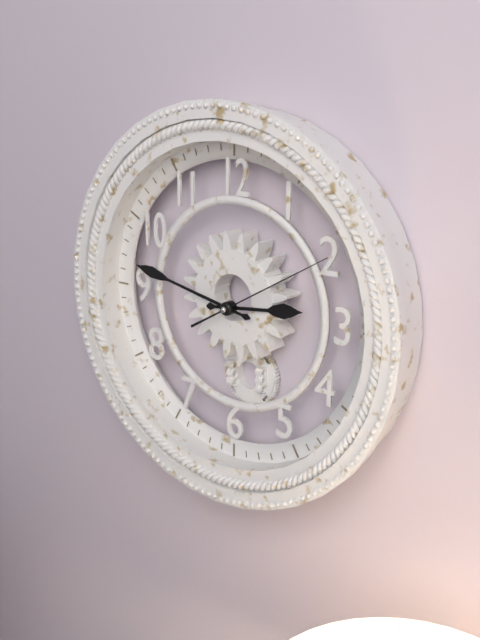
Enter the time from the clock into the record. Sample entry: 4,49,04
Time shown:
2,47,10
